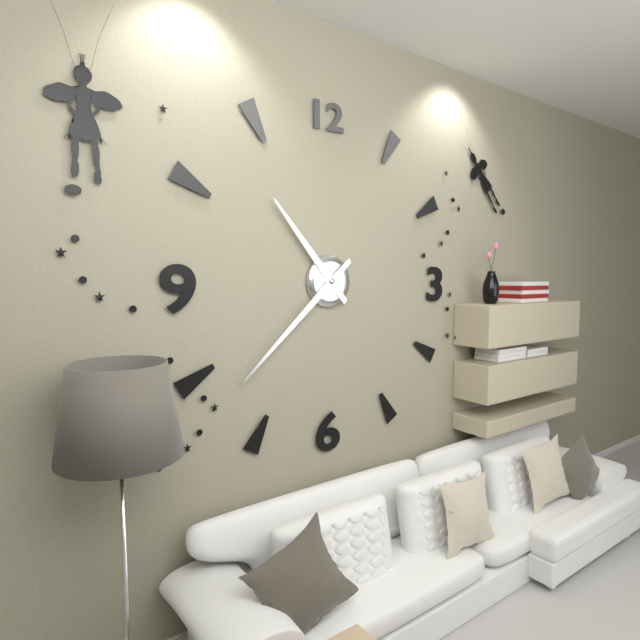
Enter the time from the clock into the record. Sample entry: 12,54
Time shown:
10,38
